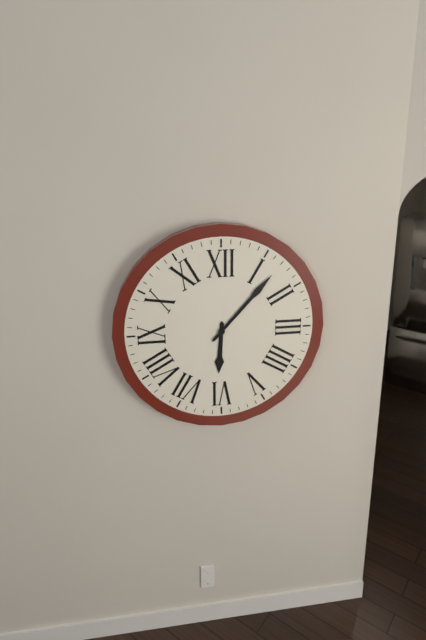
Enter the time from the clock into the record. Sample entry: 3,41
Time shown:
6,07
